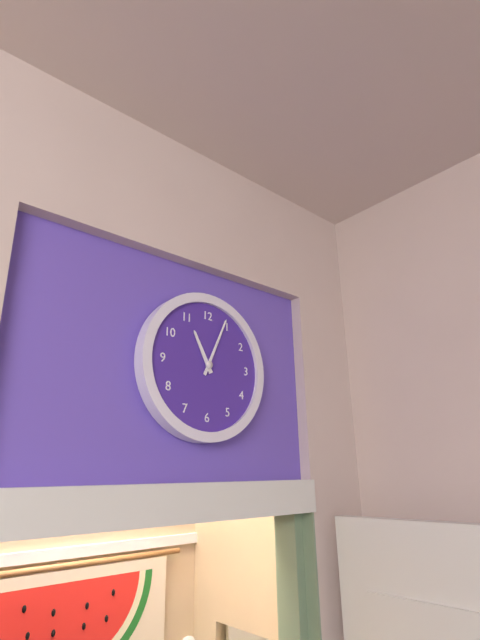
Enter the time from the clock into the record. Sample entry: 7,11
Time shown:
11,04
